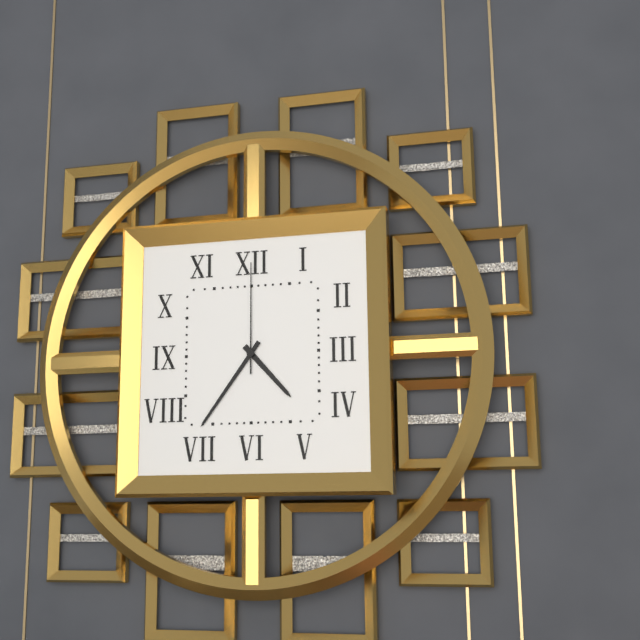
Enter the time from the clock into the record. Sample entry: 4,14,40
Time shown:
4,36,00
